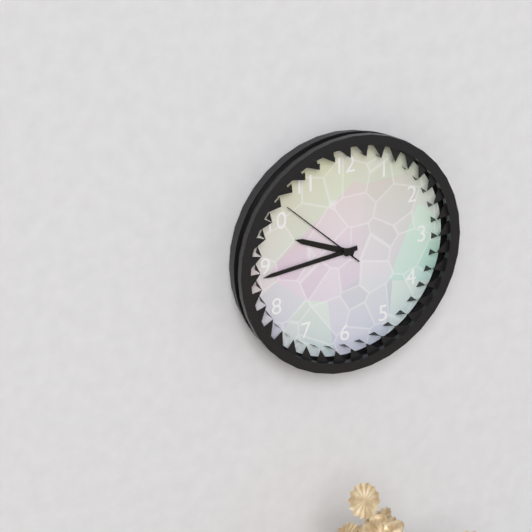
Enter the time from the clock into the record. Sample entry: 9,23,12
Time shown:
9,44,52
